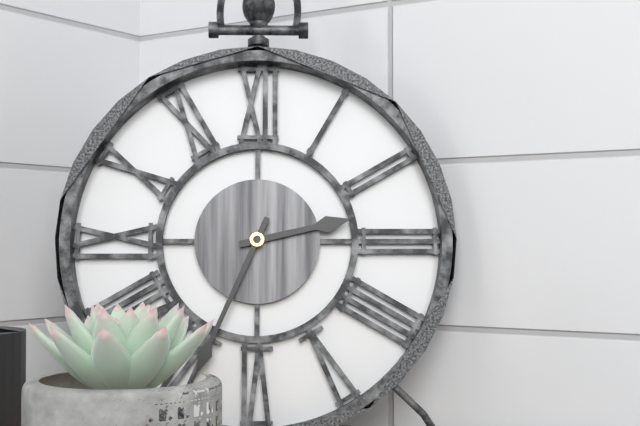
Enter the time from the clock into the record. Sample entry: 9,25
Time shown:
2,34
